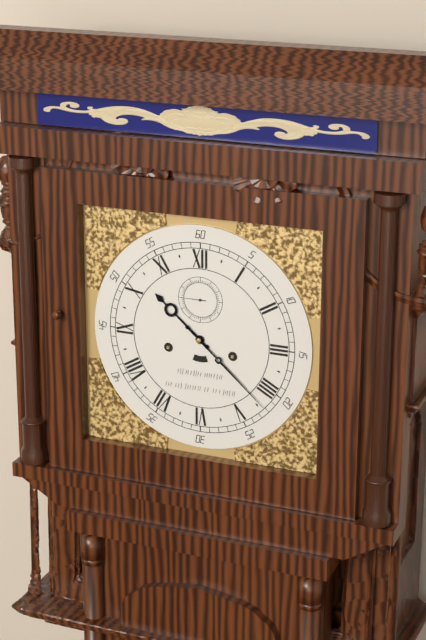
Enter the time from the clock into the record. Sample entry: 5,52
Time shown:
10,22
